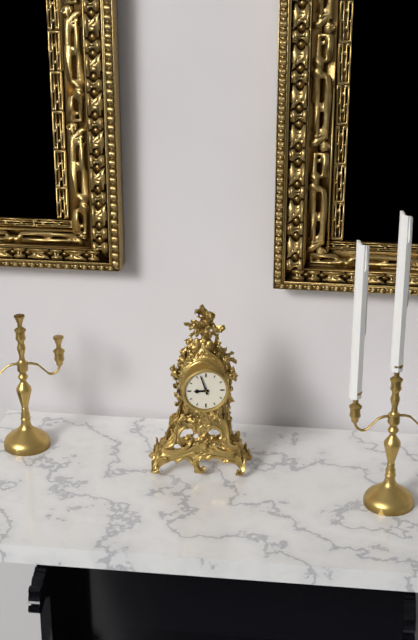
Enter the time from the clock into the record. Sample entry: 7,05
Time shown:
8,57
